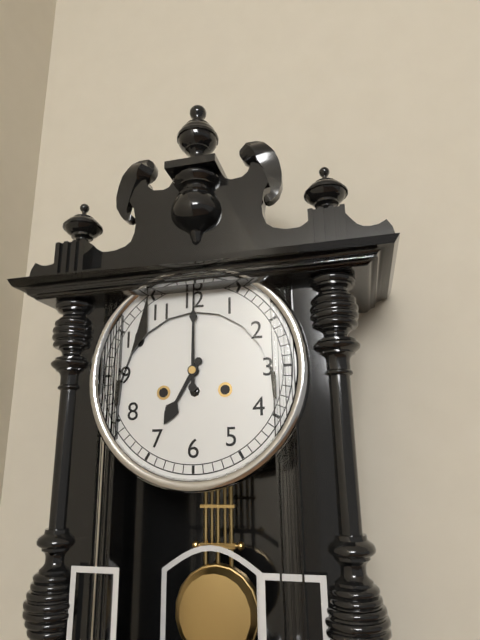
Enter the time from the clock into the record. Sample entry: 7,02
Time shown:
7,00
